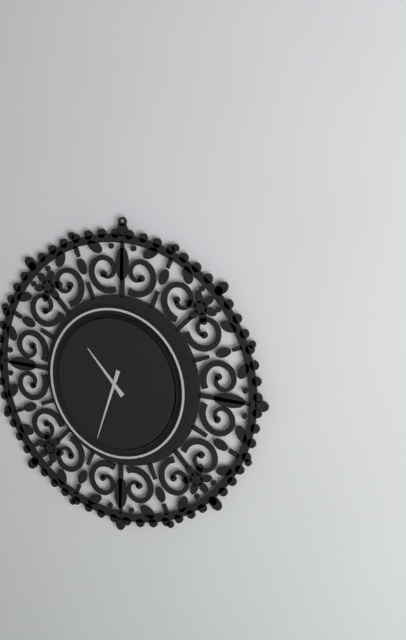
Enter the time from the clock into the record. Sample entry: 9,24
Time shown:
10,33
